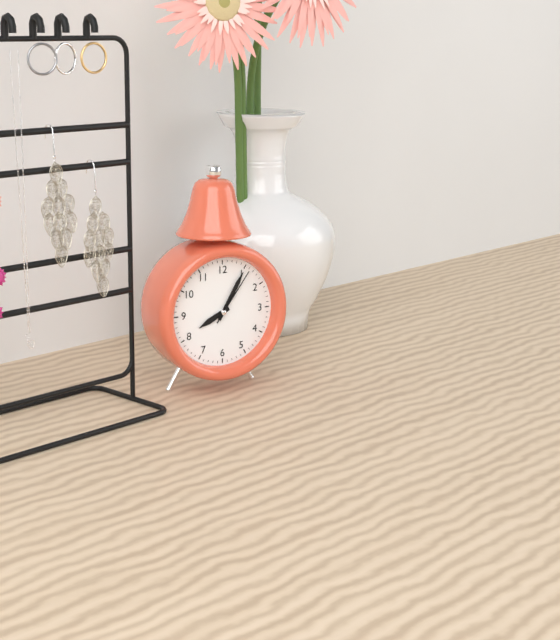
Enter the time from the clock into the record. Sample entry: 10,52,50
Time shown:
8,05,06
